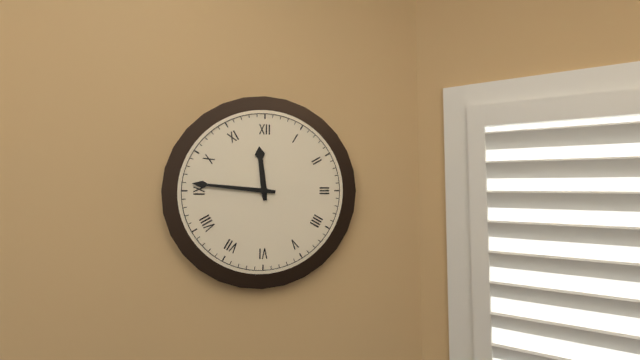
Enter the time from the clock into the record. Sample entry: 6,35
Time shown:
11,46
